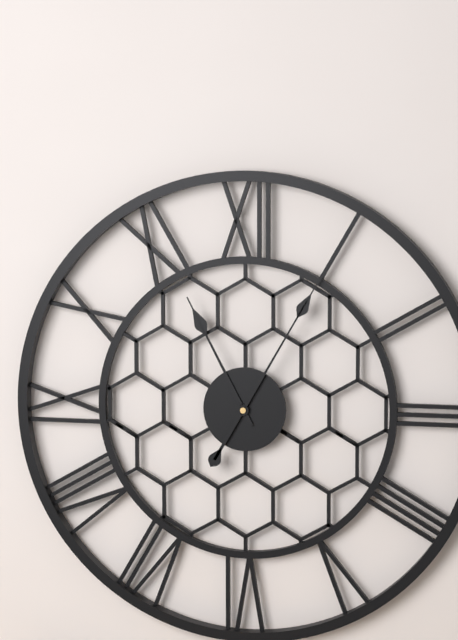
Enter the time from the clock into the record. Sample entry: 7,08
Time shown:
11,05
